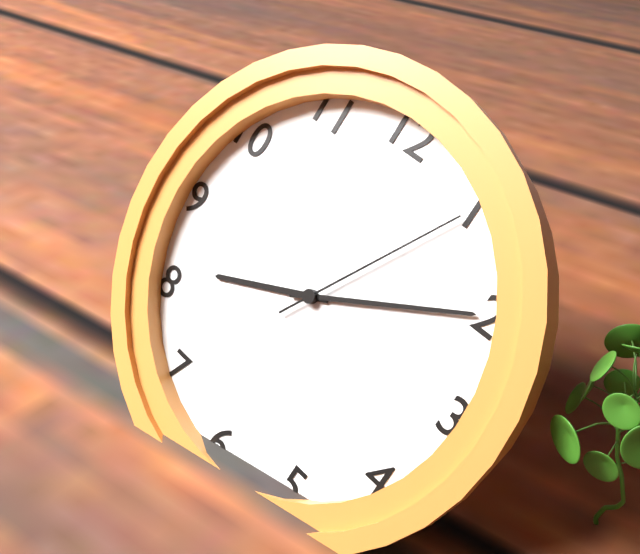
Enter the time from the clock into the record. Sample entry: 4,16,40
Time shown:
8,10,05
